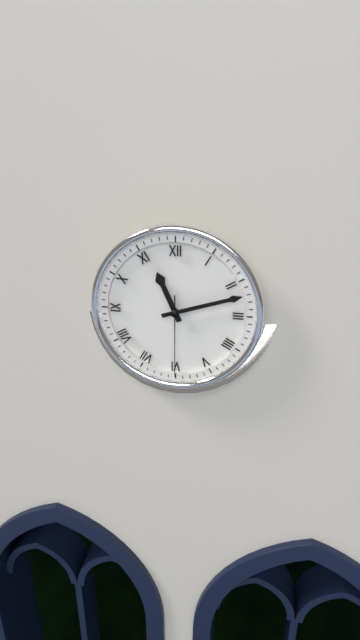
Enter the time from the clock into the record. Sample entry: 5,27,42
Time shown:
11,12,30
